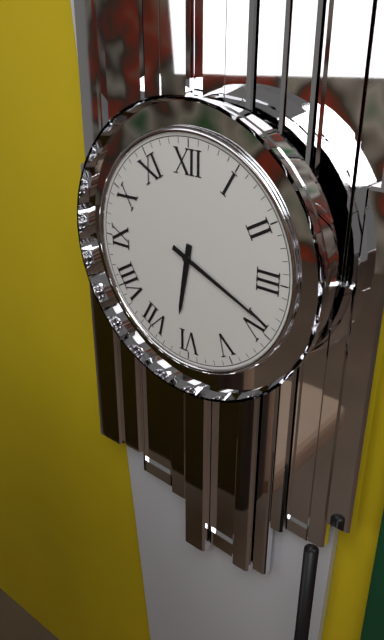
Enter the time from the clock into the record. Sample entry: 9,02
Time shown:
6,19
